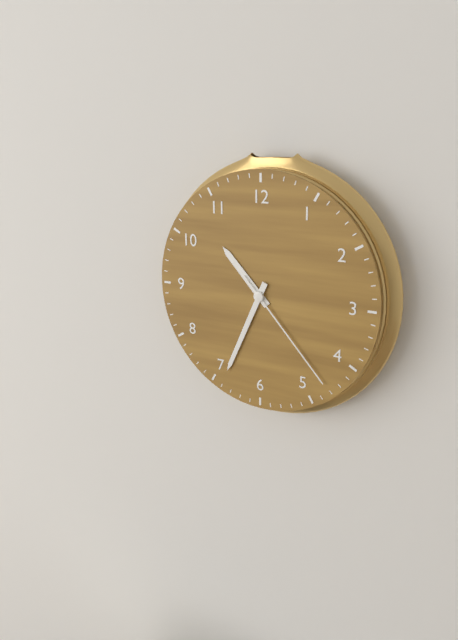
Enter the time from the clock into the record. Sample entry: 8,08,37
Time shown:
10,34,23
